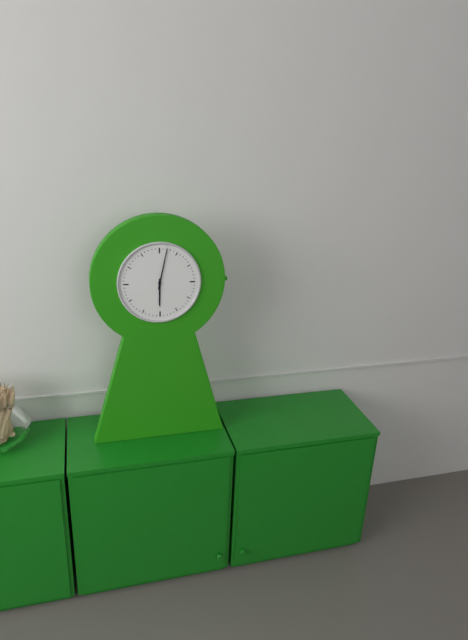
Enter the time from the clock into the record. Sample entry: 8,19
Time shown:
6,02
